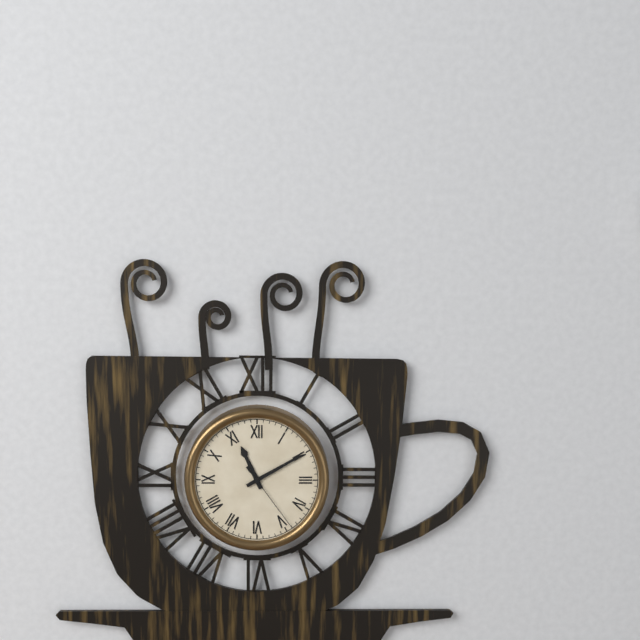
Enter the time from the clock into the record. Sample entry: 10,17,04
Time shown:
11,10,24
